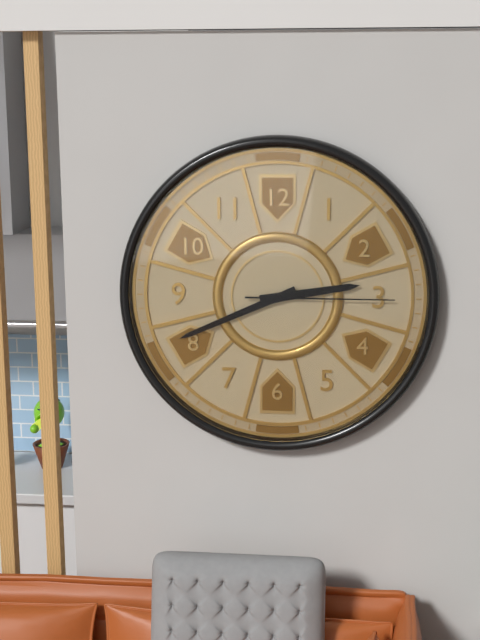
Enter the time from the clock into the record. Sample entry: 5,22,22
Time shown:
2,41,15
